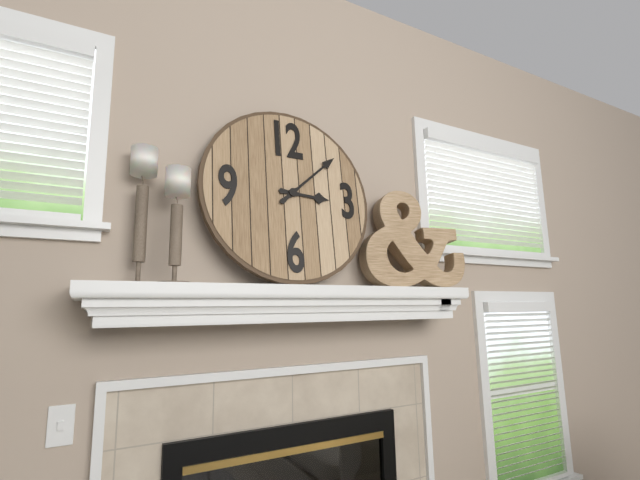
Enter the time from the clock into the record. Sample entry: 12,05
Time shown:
3,08
